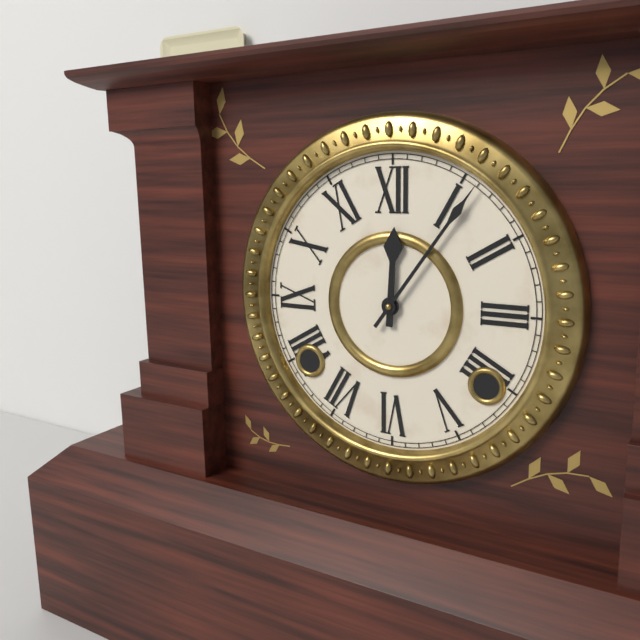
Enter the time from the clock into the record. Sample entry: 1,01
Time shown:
12,06
